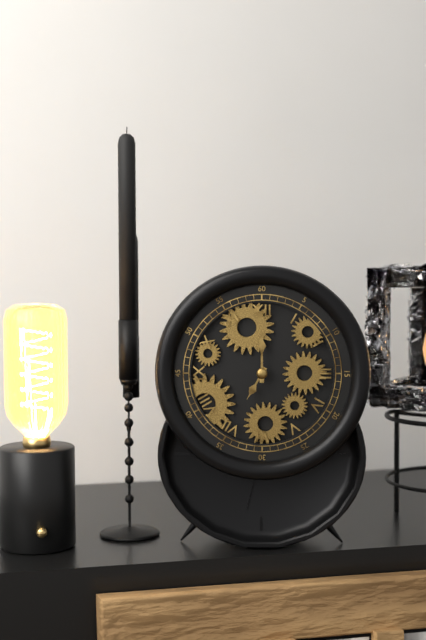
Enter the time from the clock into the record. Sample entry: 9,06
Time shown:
7,00
